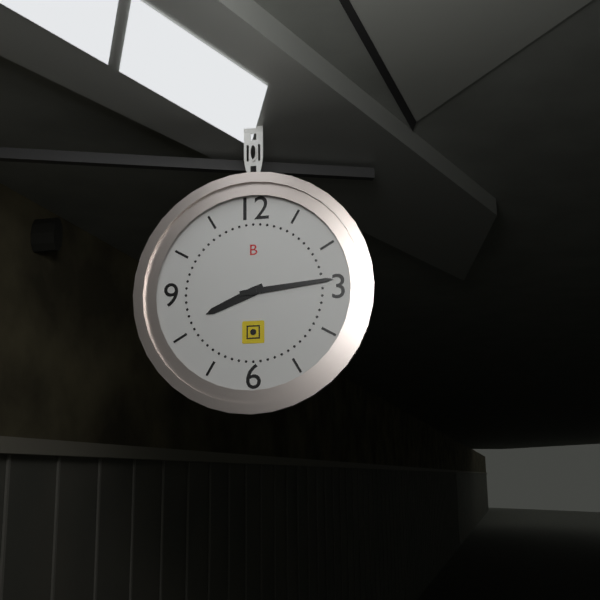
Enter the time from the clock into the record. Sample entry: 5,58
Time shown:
8,14
